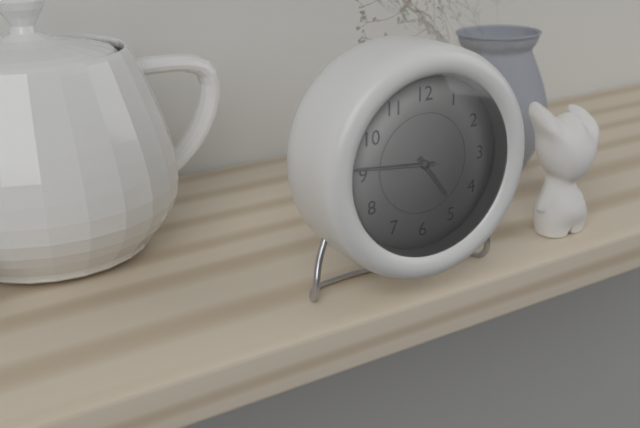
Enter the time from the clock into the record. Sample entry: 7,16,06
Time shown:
4,46,46
